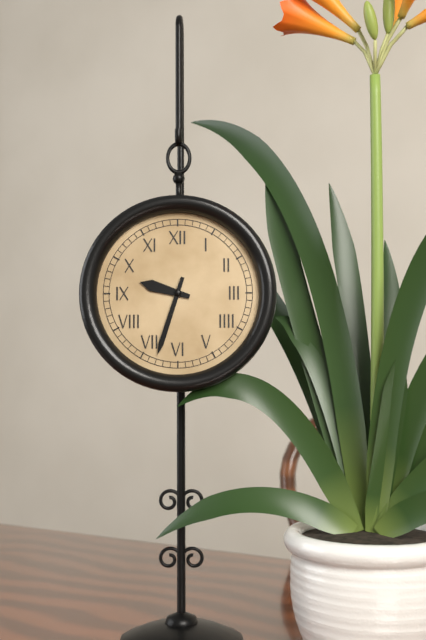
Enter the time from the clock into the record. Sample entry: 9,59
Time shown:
9,33
